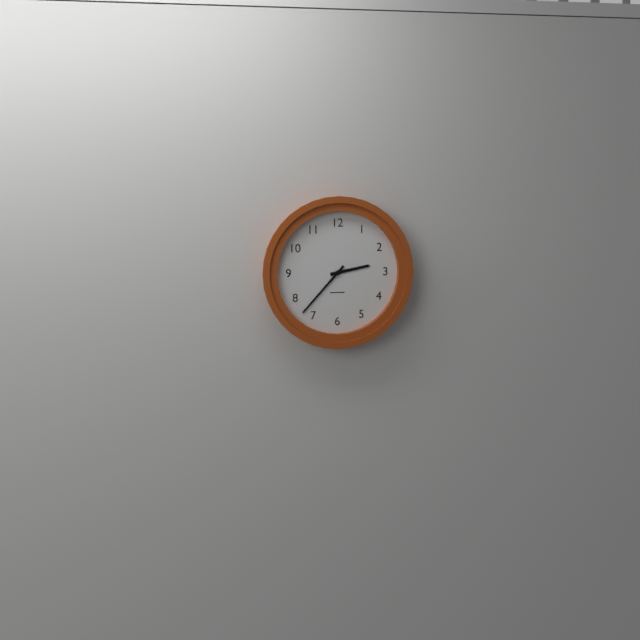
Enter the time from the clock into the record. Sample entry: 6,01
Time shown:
2,37
